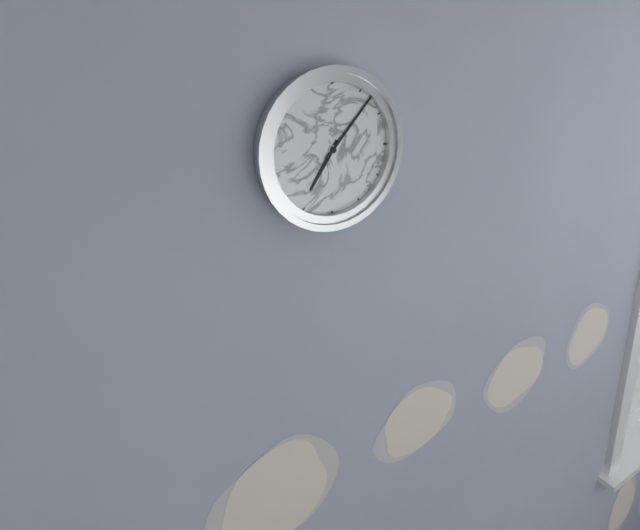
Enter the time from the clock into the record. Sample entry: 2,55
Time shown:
7,07
